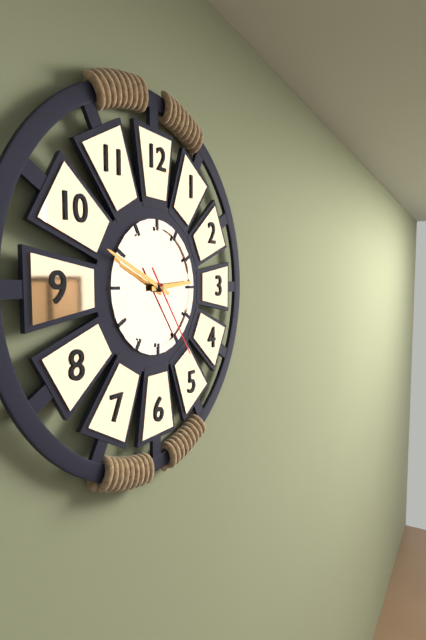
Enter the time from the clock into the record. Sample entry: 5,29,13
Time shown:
2,49,24
